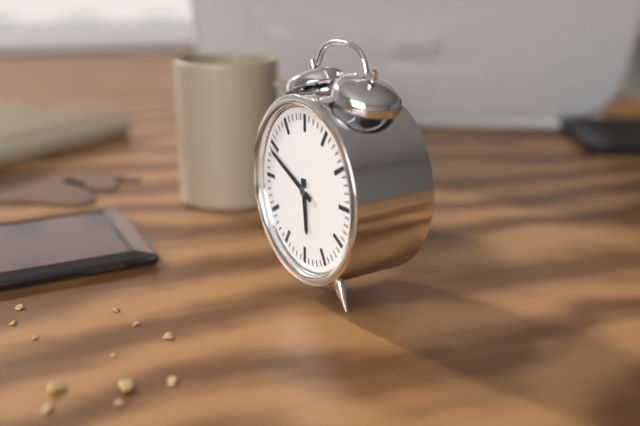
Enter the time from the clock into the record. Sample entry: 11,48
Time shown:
5,49
